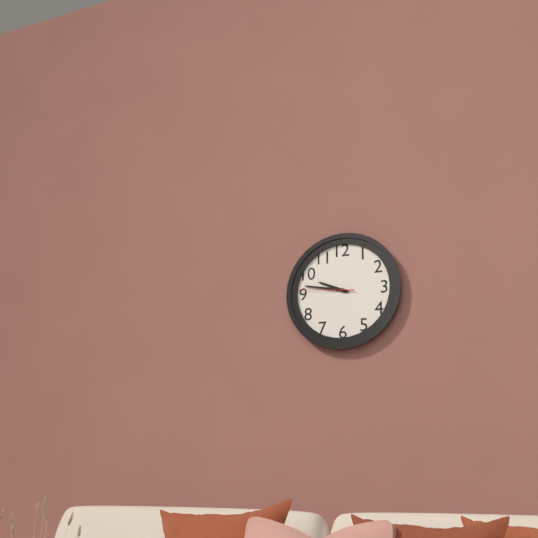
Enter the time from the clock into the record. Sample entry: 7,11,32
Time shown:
9,47,46
